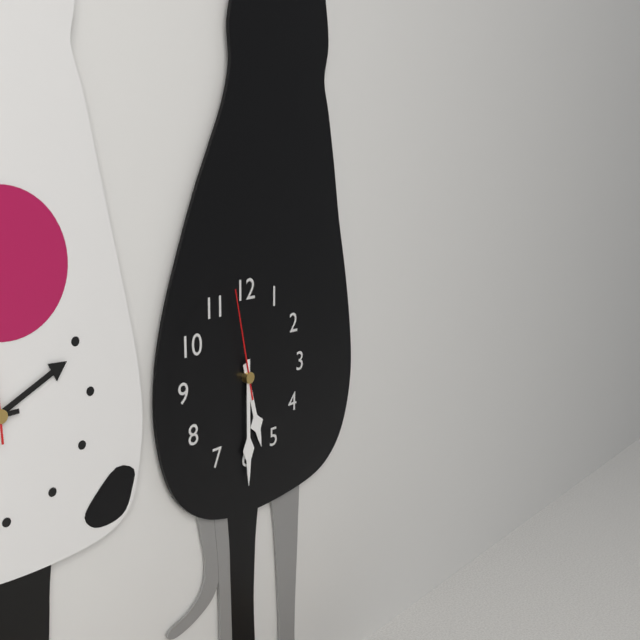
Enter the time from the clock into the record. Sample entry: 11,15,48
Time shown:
5,30,58
